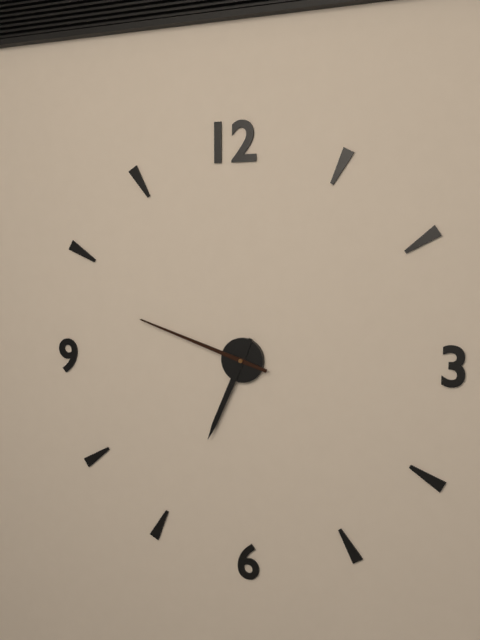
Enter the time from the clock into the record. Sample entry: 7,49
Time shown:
6,48
